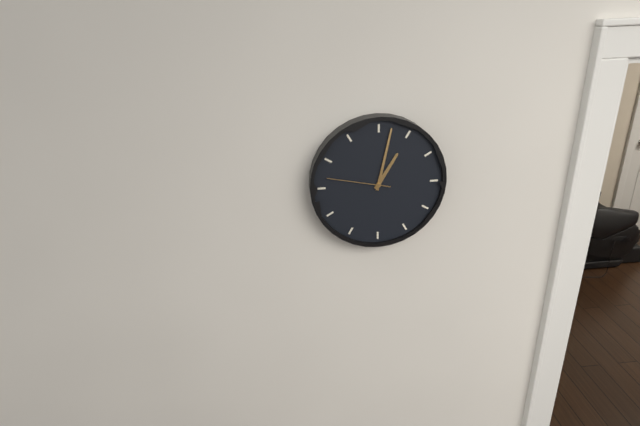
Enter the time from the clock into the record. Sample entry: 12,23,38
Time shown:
1,02,47
